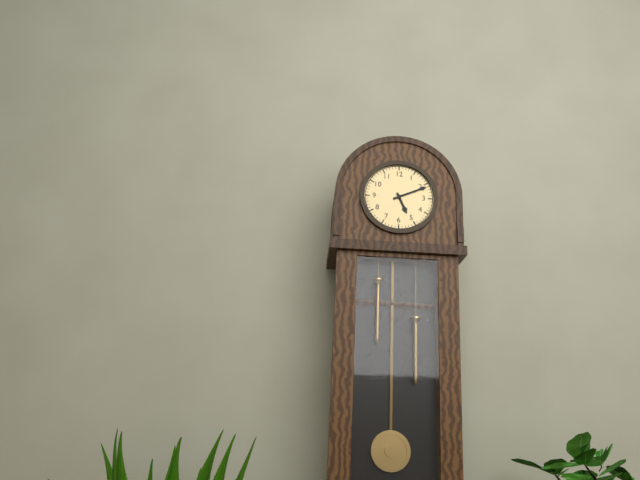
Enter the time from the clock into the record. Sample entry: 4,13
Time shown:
5,11
